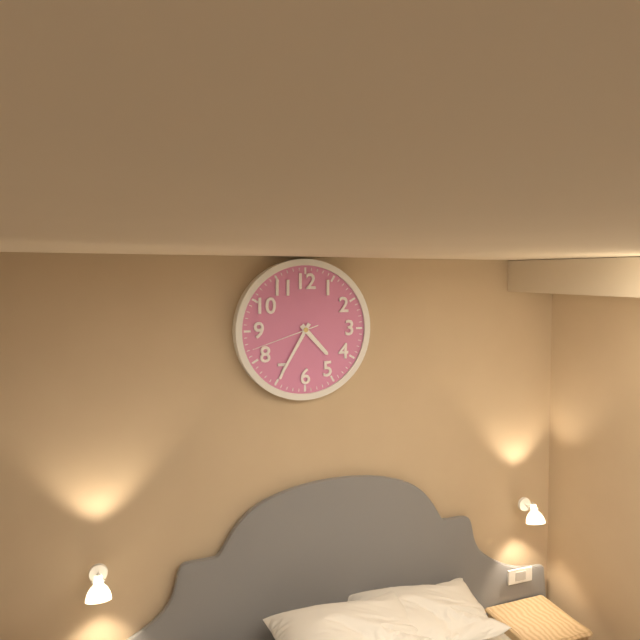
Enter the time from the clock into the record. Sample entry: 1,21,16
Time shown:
4,35,42
